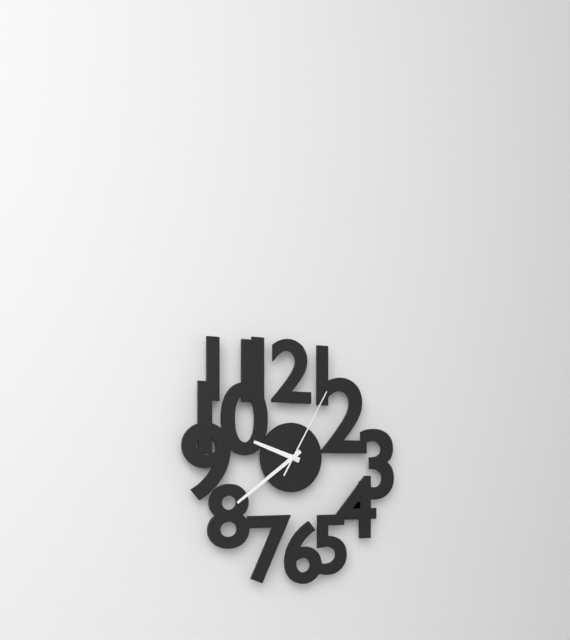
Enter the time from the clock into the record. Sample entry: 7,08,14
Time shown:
9,39,05
